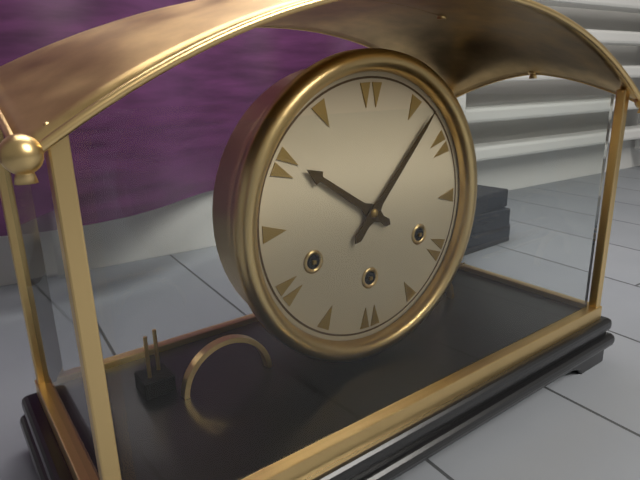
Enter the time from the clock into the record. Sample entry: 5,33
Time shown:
10,07
